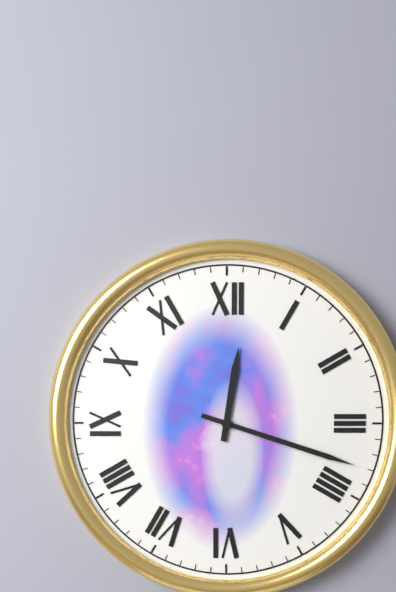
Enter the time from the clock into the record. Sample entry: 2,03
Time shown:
12,18
